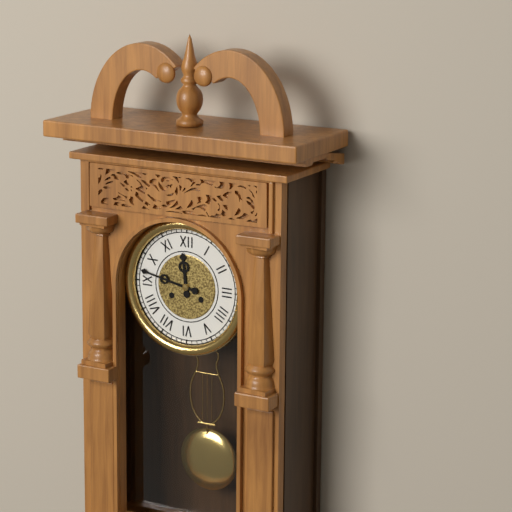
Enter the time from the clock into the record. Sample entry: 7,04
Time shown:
11,47
